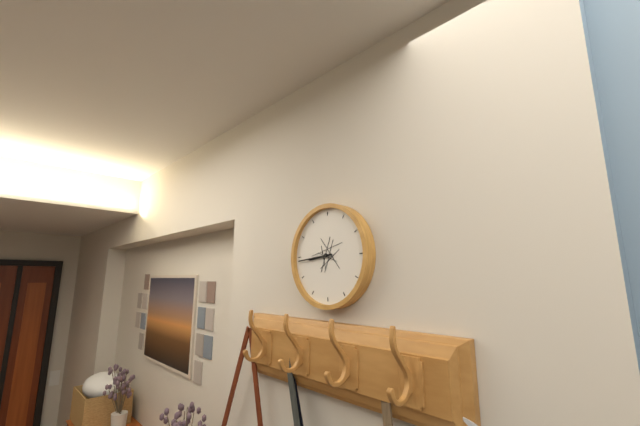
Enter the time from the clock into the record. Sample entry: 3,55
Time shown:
8,44
